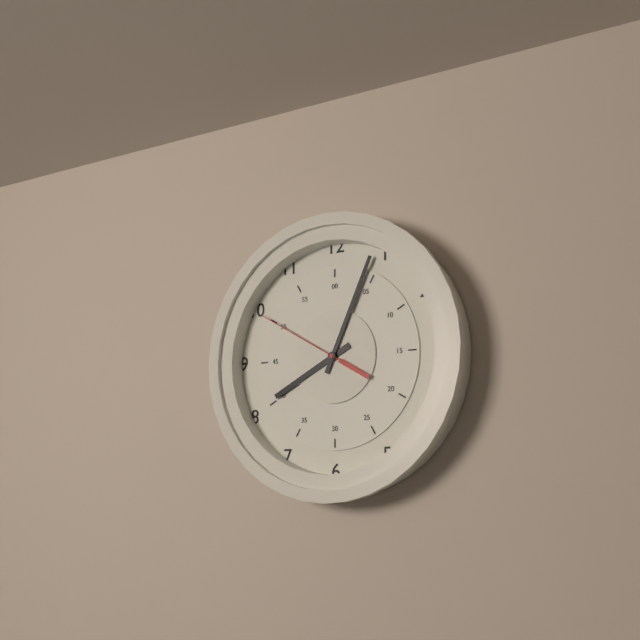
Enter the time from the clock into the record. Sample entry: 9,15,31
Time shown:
8,04,50
